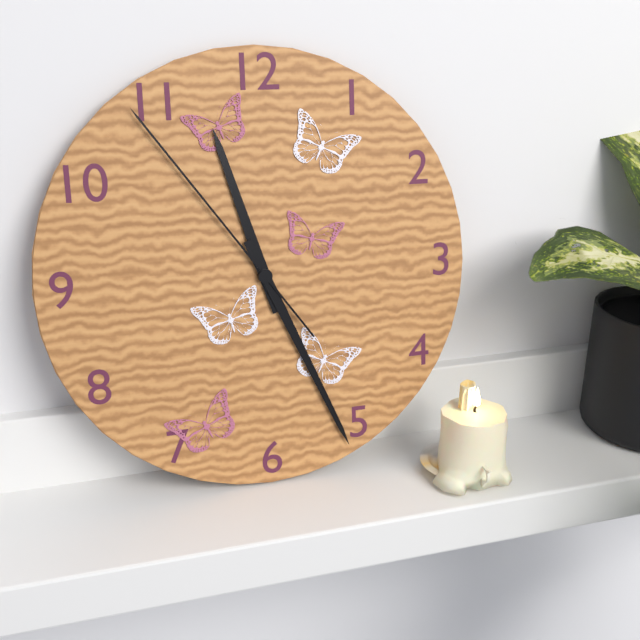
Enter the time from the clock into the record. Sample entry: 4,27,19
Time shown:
11,26,54
